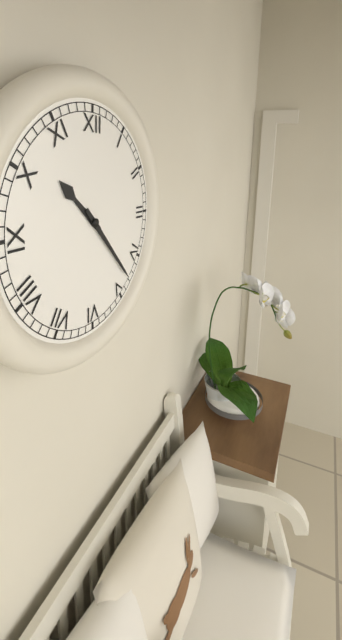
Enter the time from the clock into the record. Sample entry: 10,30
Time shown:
10,23
